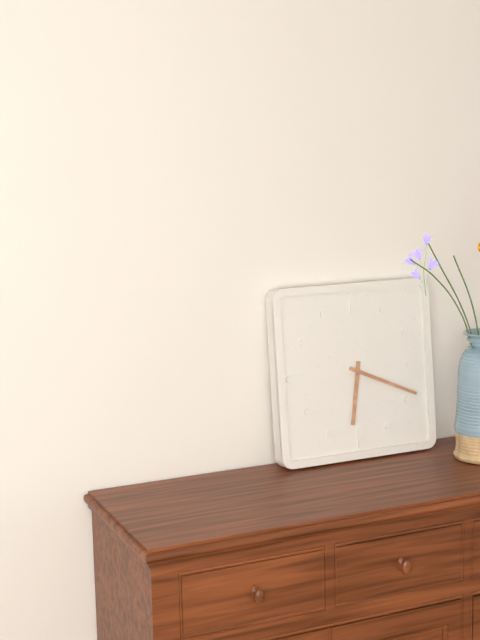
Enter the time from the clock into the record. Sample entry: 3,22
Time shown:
6,19
